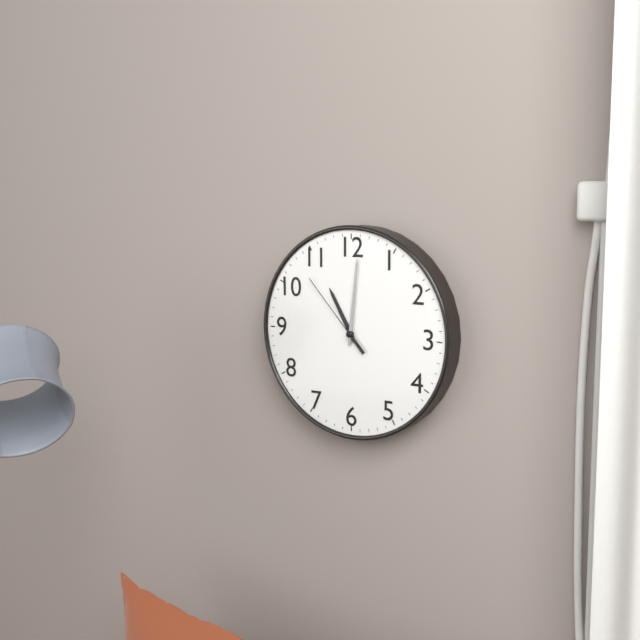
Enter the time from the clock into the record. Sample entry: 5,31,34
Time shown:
11,01,53
